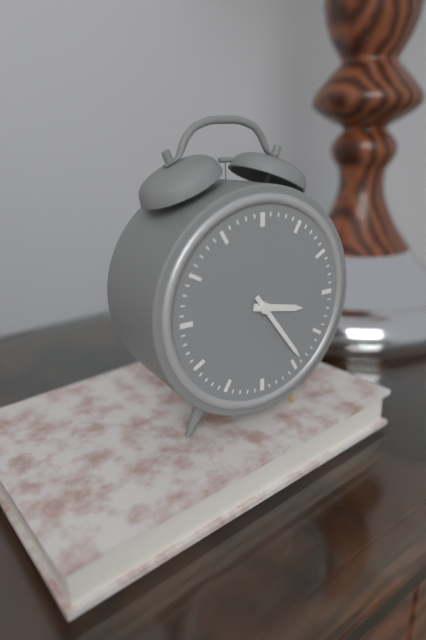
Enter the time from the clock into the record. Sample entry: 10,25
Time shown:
3,24
